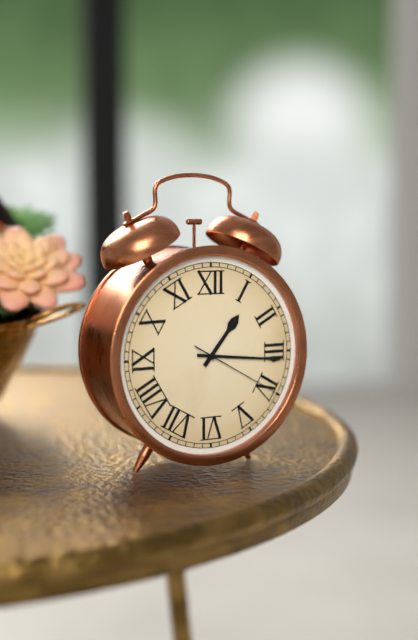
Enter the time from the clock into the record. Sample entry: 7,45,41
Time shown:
1,16,20
